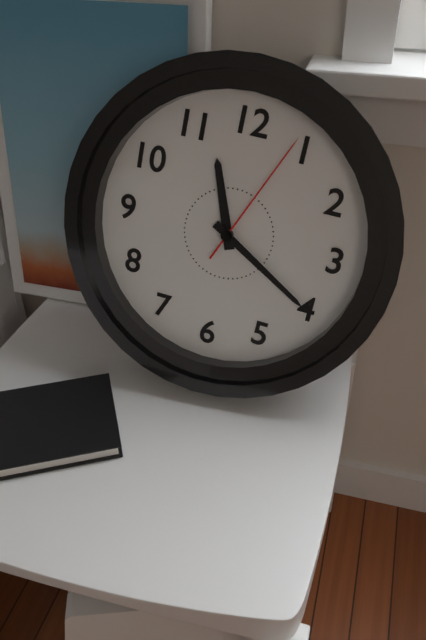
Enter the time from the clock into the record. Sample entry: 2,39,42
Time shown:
11,20,04
